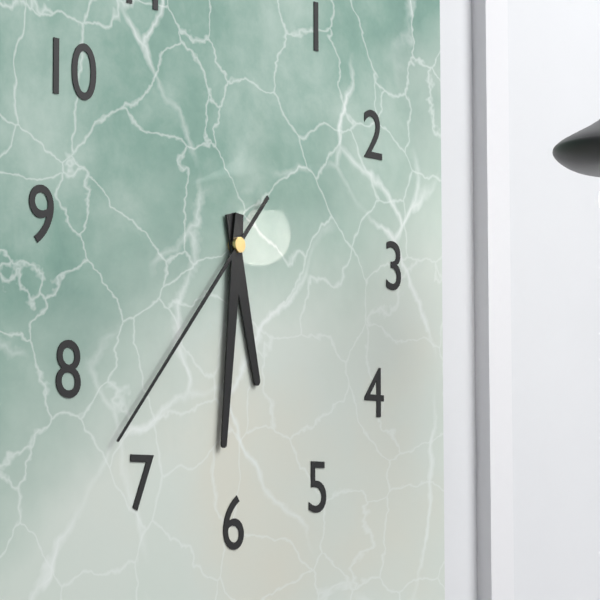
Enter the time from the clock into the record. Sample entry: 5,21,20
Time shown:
5,31,37
